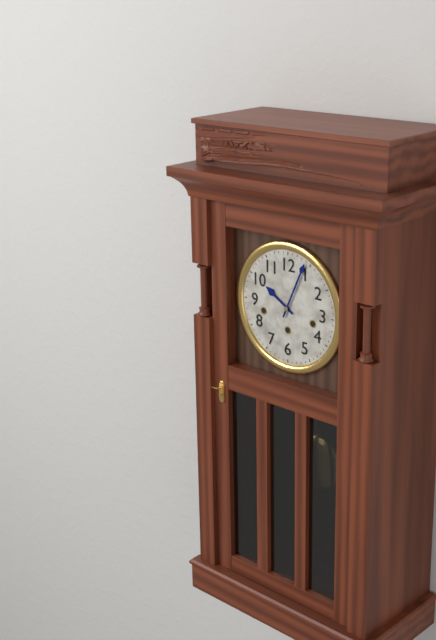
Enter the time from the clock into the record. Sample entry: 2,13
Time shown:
10,04
